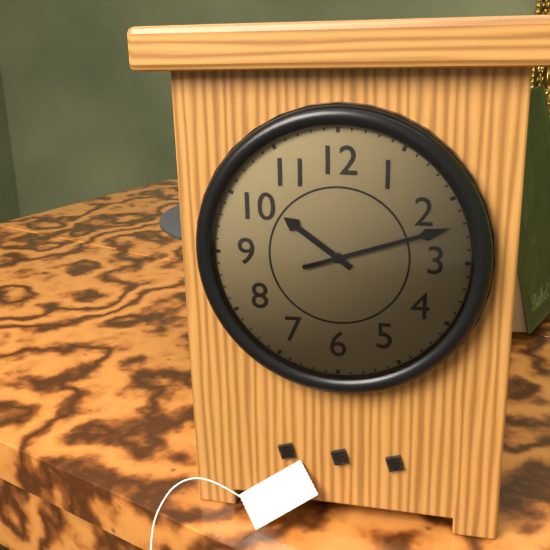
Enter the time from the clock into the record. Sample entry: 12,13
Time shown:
10,12
